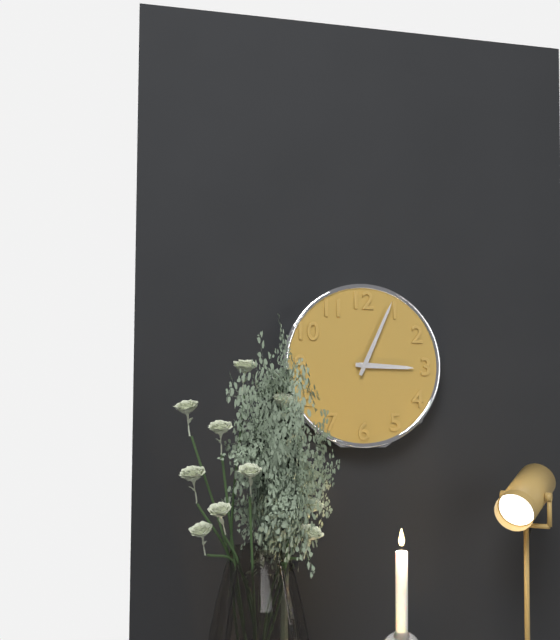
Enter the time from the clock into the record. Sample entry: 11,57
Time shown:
3,04
